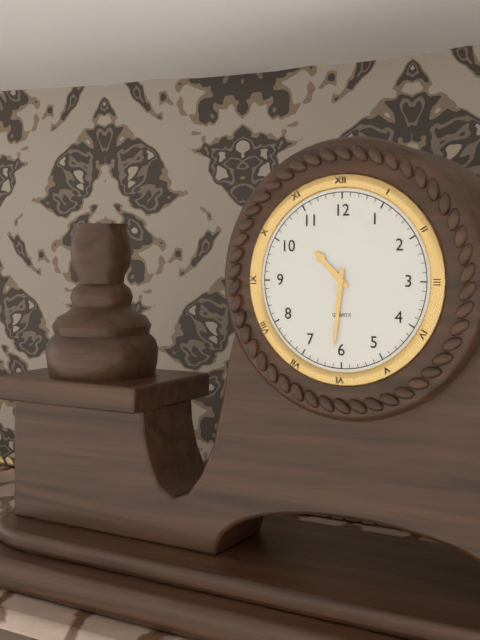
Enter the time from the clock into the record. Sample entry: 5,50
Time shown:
10,31
